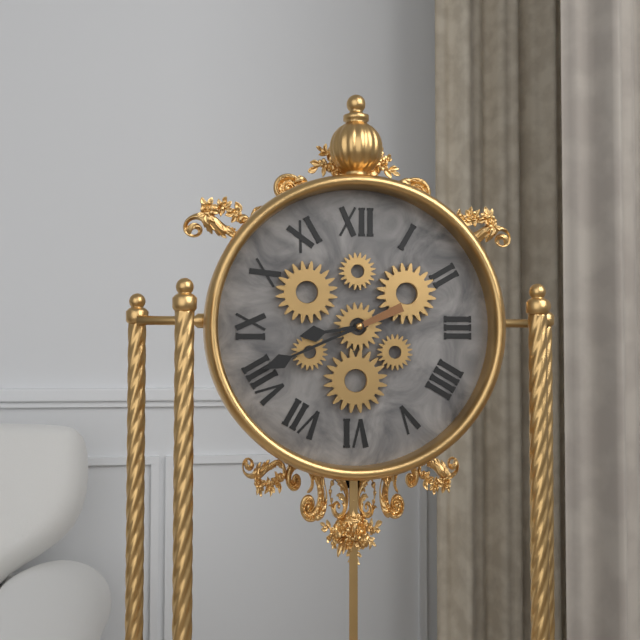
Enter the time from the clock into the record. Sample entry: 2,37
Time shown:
8,41
